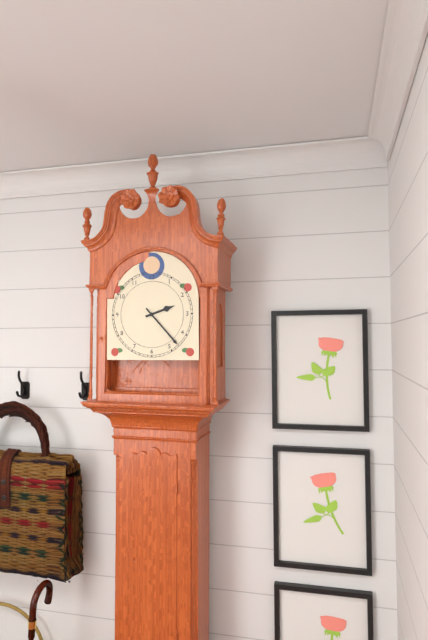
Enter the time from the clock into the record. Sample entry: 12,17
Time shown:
2,23
